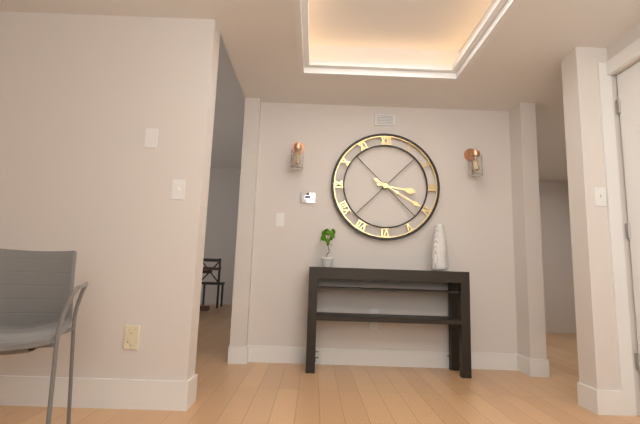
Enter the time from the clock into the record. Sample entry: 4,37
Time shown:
3,20
